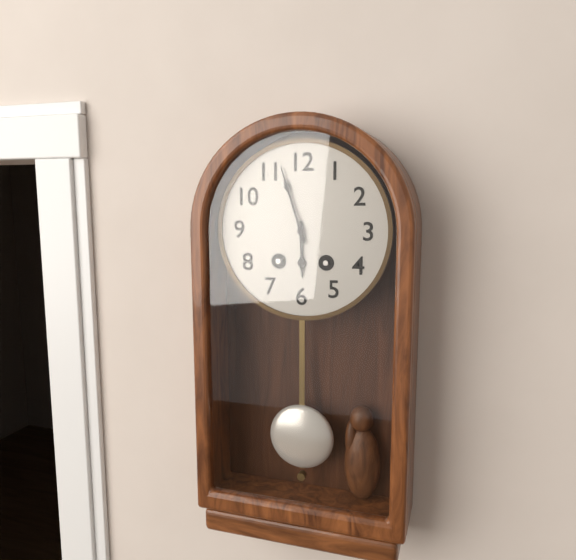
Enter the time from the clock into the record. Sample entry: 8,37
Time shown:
5,57
